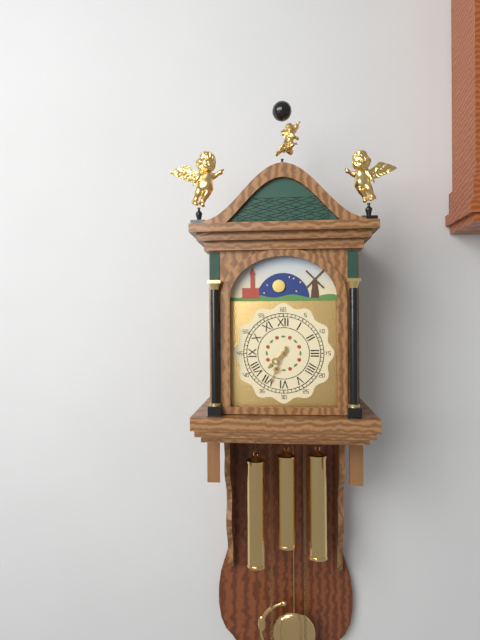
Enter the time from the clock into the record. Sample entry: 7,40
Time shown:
7,34
